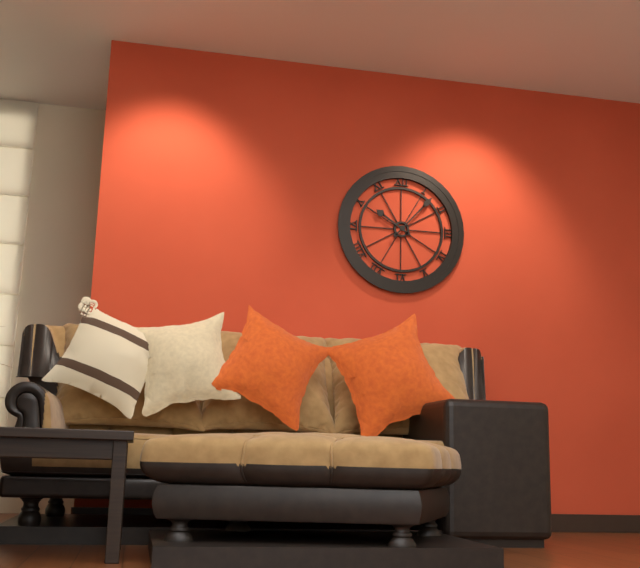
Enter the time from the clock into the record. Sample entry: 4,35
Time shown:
10,07
